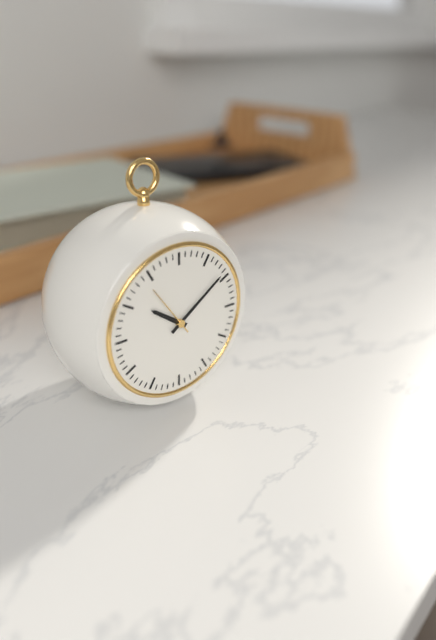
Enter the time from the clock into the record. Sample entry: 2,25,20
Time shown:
10,09,54
